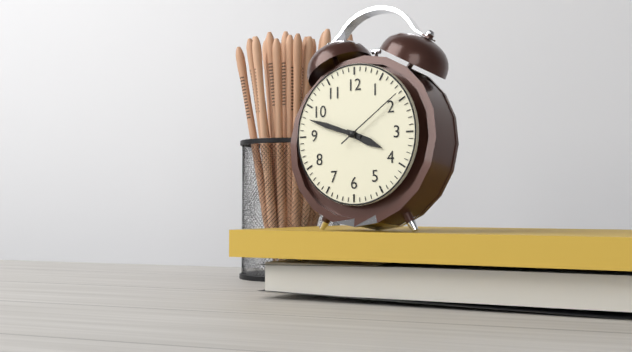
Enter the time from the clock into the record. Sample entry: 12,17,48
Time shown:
3,48,09
